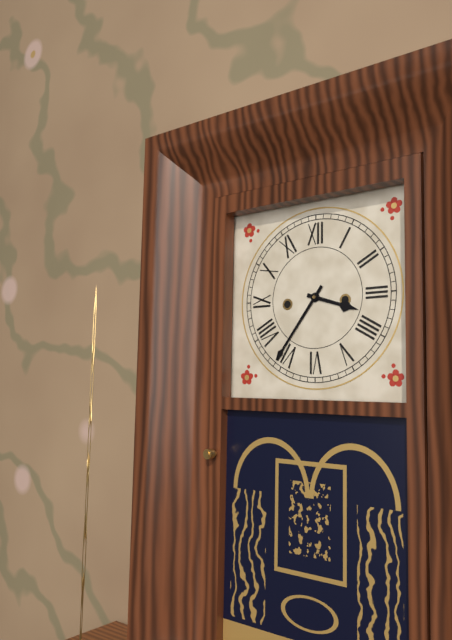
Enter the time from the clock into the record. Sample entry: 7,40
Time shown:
3,36
